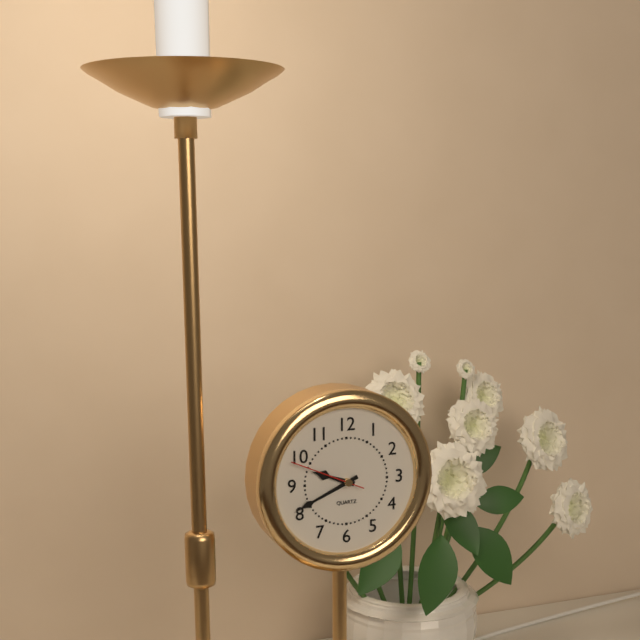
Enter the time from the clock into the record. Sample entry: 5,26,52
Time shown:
9,41,49
